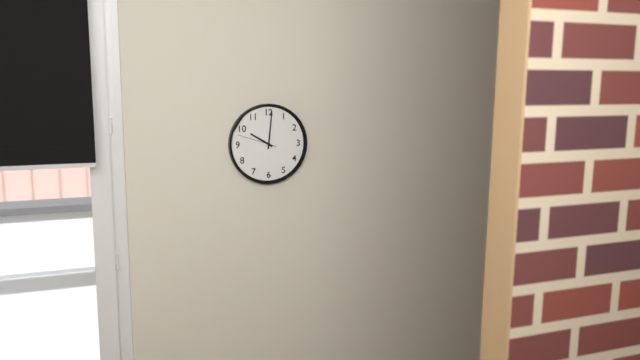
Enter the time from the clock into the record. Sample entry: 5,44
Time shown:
10,01
